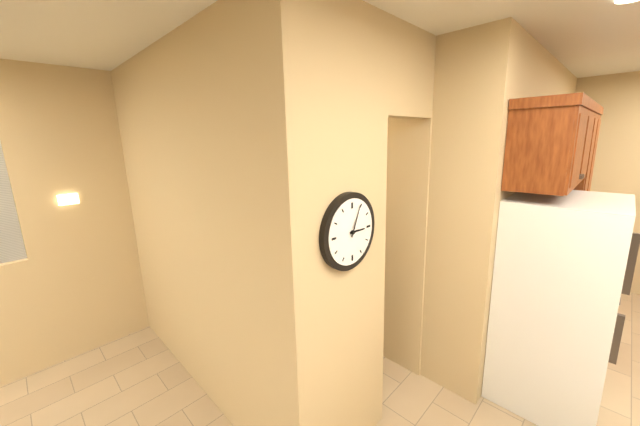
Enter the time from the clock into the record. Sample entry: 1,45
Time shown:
3,04
